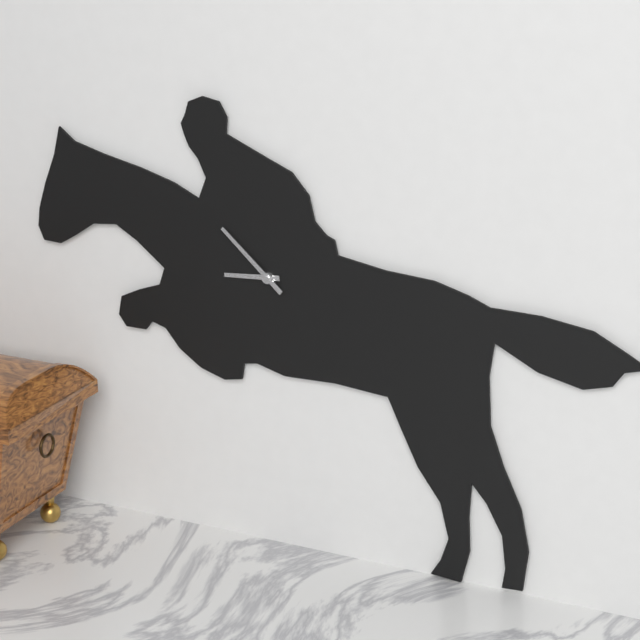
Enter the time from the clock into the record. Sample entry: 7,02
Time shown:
8,52
